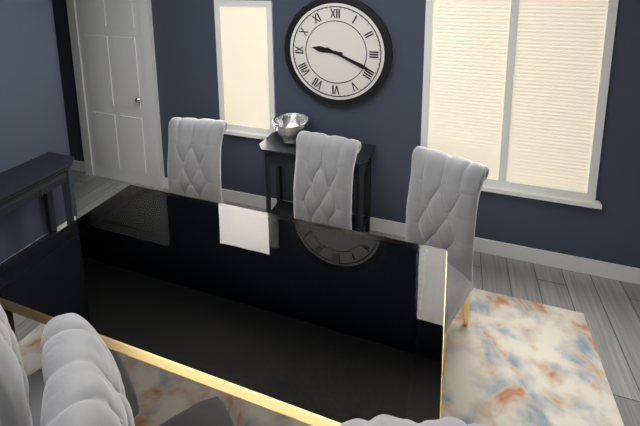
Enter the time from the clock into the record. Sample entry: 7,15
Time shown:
9,19
